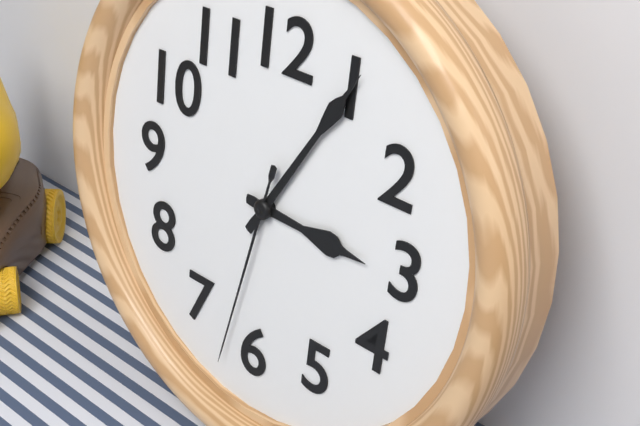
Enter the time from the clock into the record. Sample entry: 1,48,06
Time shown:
3,05,32
